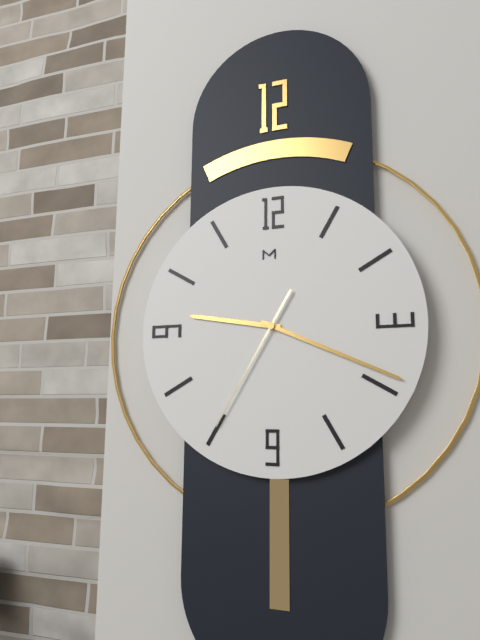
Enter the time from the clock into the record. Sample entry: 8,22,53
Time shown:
9,19,35
